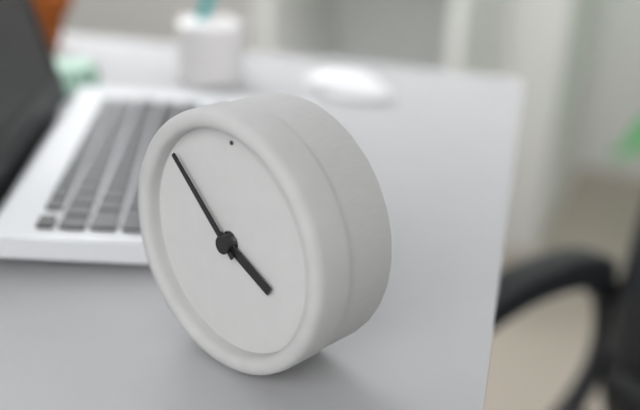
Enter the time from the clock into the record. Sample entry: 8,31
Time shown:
3,52
